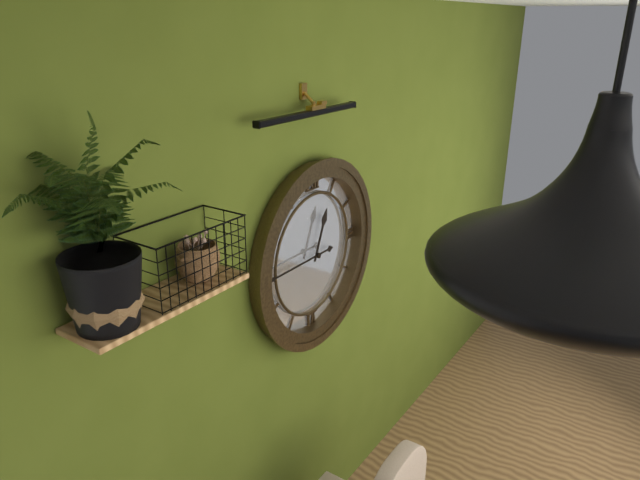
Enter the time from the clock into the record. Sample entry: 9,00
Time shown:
12,45
